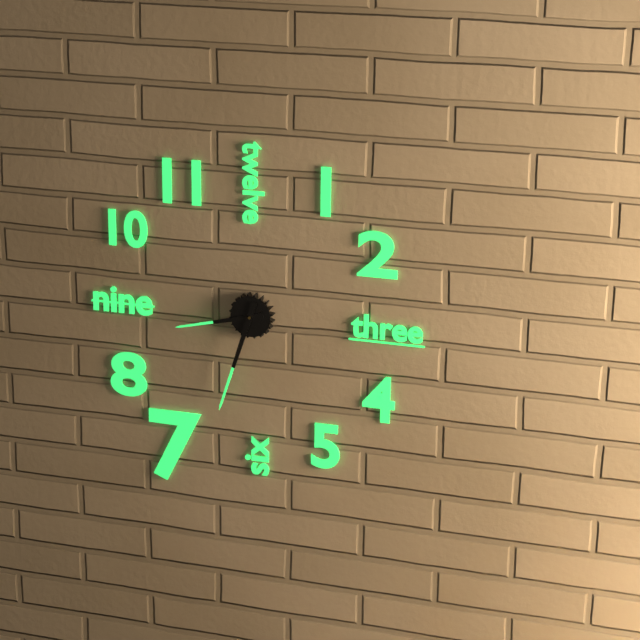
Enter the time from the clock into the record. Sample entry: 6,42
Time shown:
8,33
